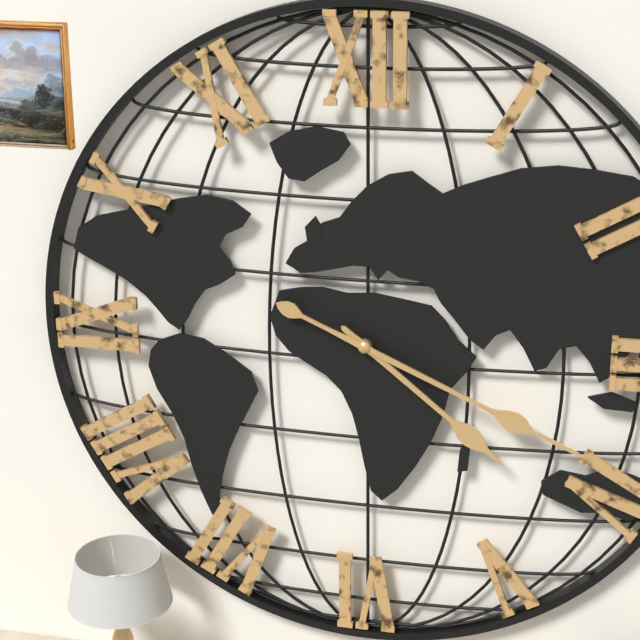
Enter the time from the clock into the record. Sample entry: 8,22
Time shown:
4,19
